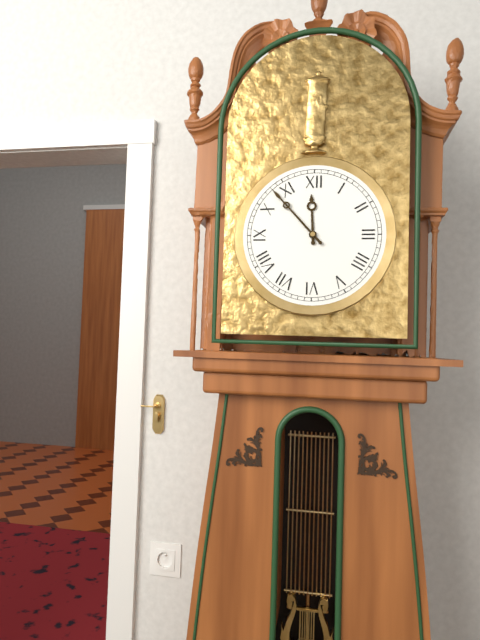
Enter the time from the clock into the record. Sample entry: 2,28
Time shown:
11,53
